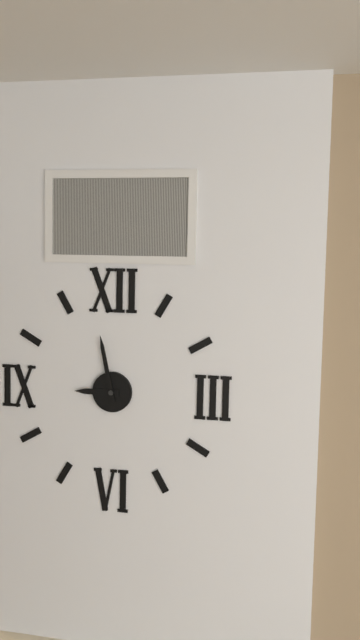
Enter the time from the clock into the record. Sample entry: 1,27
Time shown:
8,58
